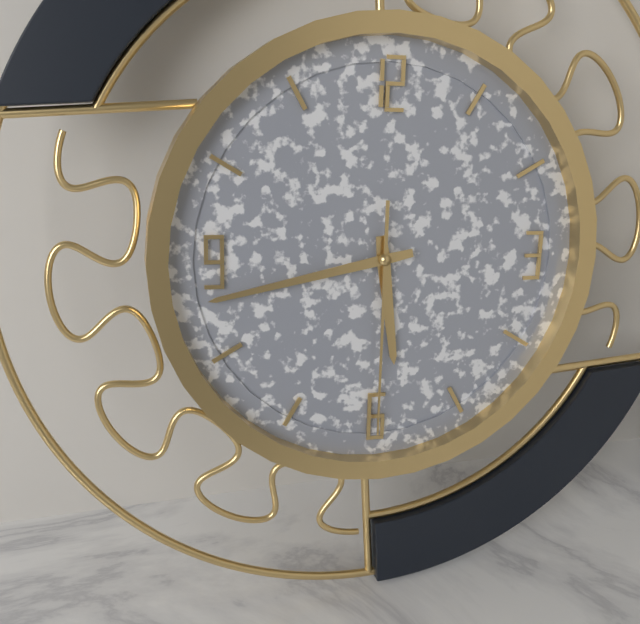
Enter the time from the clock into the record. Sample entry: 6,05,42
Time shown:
5,43,30
